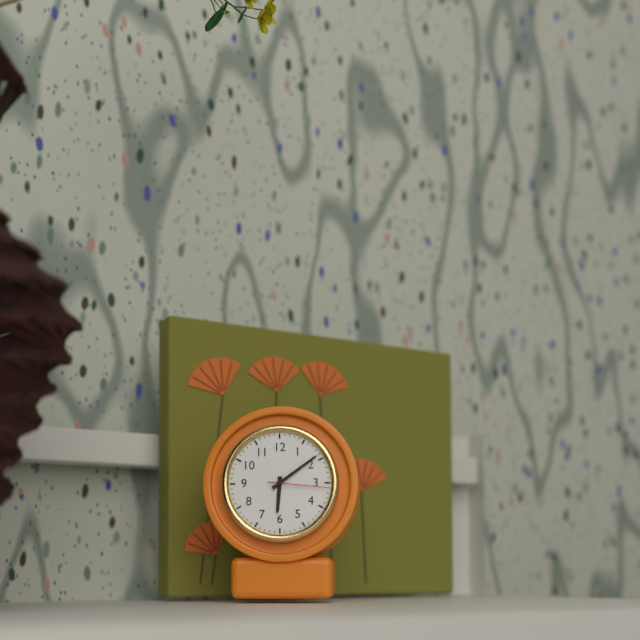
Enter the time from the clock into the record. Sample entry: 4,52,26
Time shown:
6,09,16
